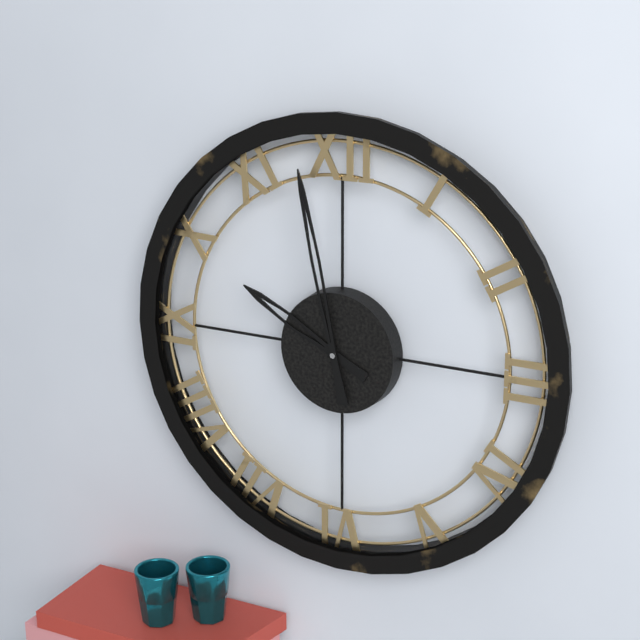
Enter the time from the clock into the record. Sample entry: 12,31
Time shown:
9,58
